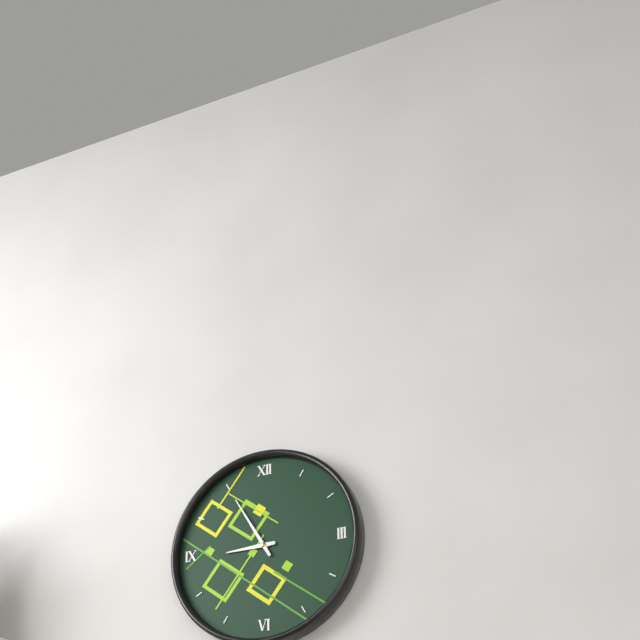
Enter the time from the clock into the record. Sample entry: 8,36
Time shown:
8,55
